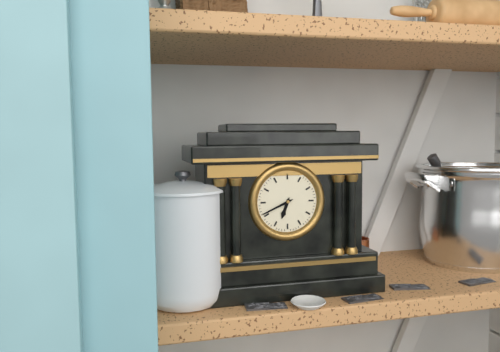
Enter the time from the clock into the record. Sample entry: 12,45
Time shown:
6,41
